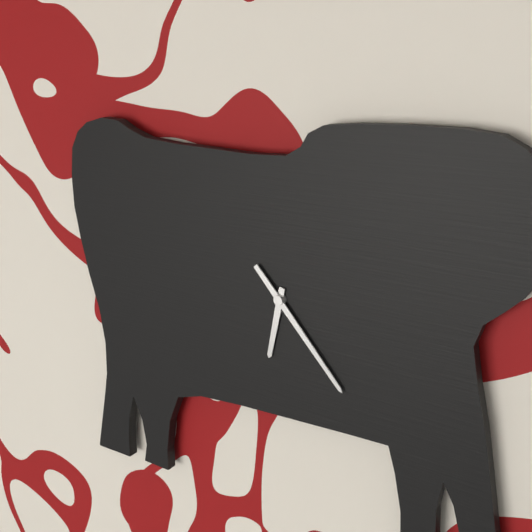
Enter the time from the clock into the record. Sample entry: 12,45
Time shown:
6,23
